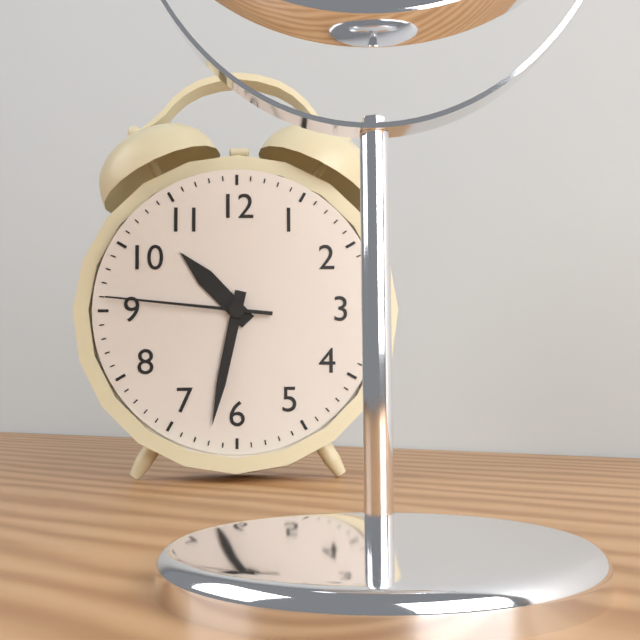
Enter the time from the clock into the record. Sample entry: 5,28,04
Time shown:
10,32,46
